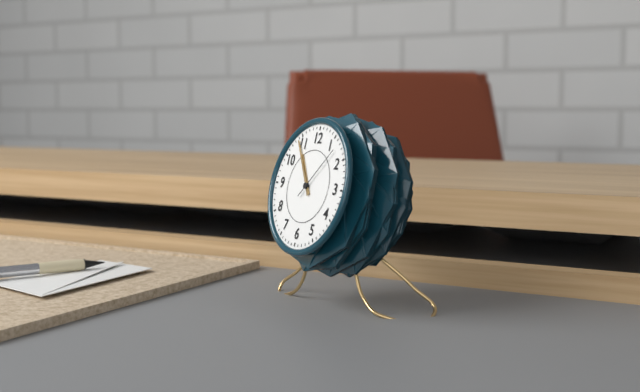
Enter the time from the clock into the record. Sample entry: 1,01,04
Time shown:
10,54,07
